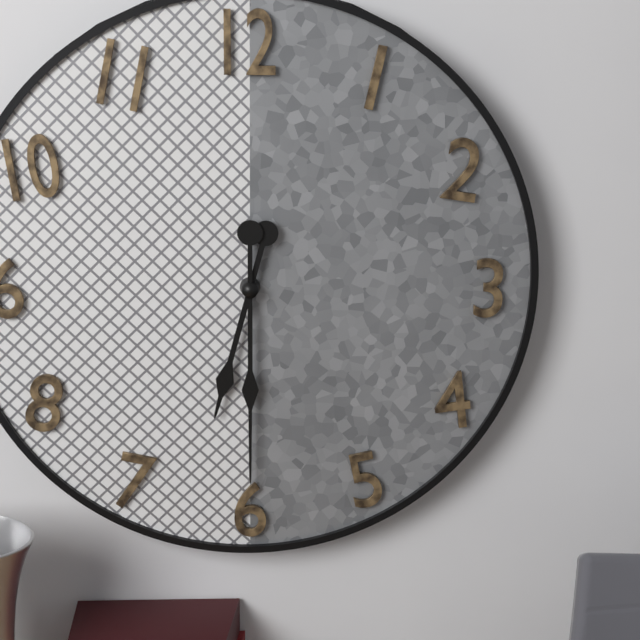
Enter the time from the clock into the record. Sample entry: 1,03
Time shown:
6,30
